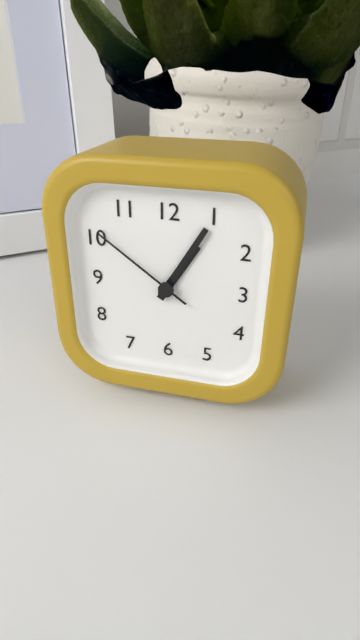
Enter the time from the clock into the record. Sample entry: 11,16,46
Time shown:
1,05,51
